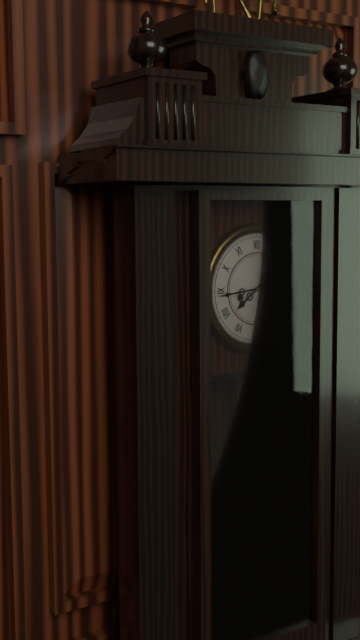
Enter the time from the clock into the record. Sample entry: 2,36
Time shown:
7,44
